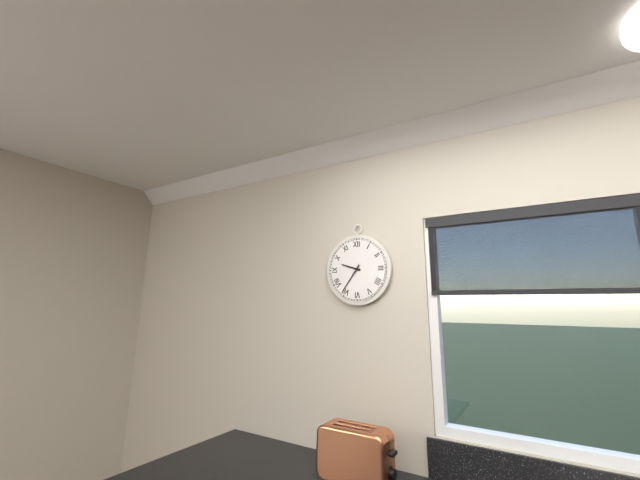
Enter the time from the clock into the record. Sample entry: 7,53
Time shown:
9,36
